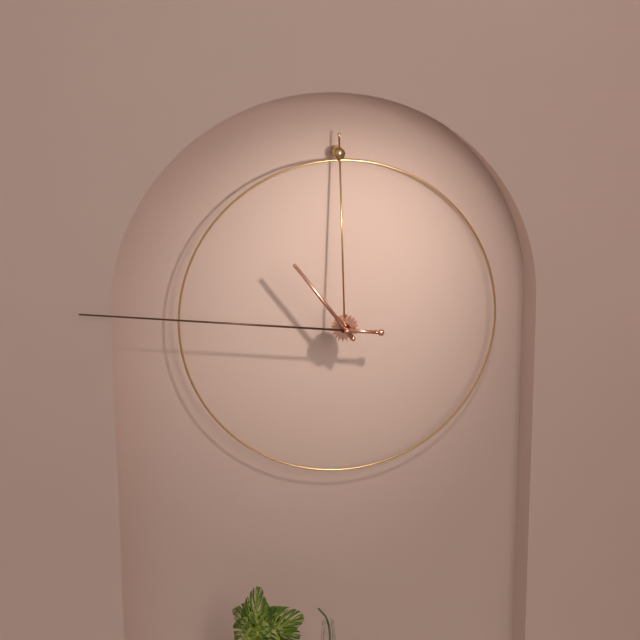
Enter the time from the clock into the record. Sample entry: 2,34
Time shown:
10,46
